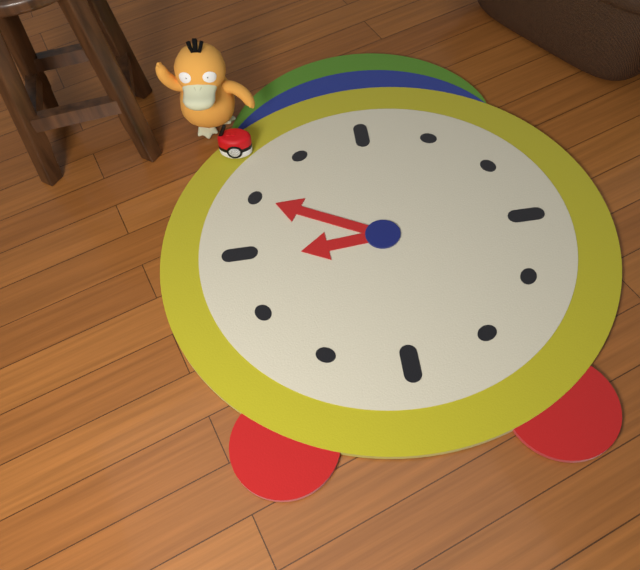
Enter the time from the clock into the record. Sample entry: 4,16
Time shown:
8,50
